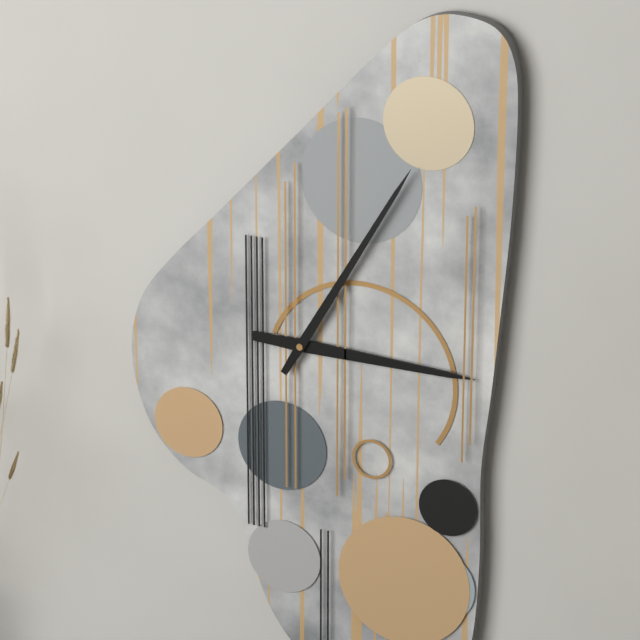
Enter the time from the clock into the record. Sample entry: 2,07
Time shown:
3,05
